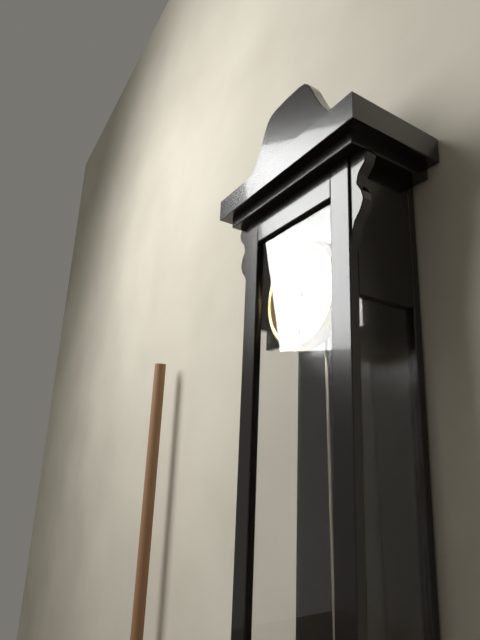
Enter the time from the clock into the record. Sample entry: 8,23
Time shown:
4,31
